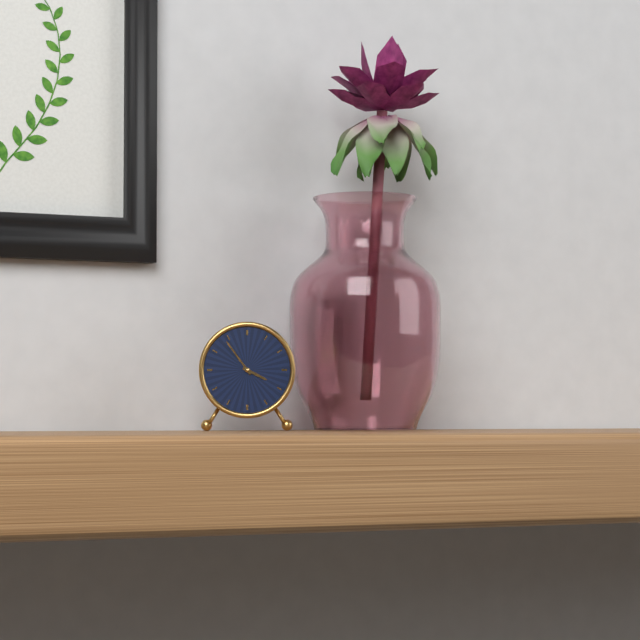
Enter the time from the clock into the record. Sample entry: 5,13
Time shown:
3,54
